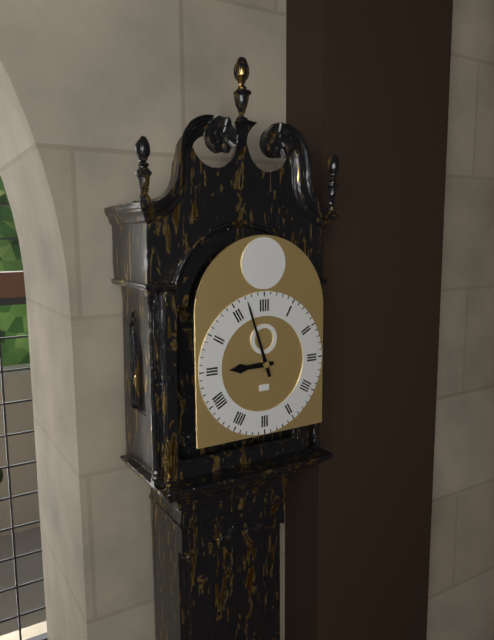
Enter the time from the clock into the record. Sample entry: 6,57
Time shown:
8,57
